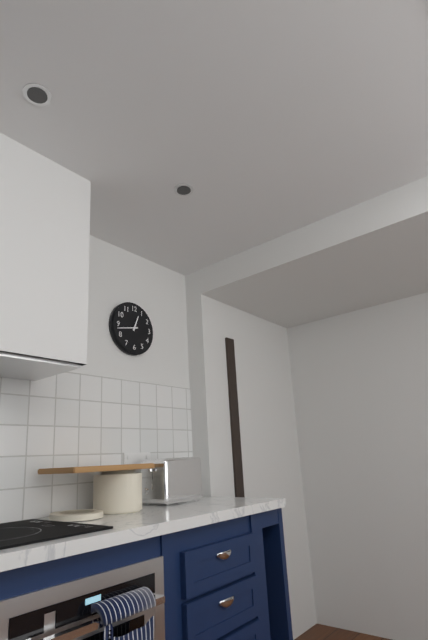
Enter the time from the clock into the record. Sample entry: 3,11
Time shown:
12,43
